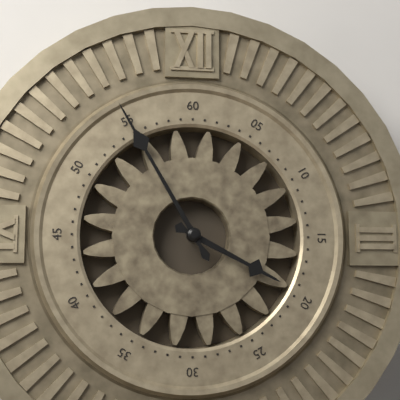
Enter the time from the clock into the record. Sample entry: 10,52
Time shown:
3,55
